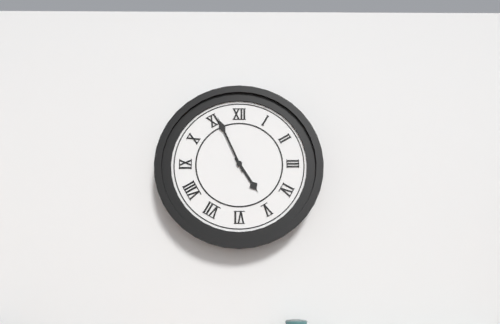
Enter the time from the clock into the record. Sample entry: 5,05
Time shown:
4,56
